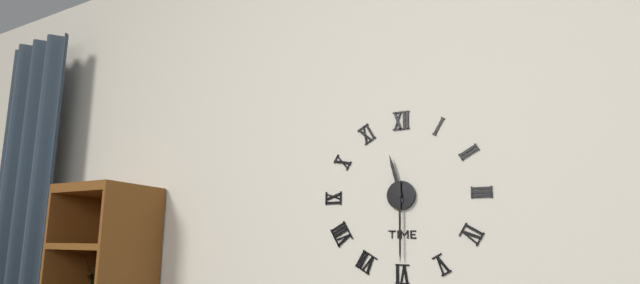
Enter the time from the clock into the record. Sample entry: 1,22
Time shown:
11,30
